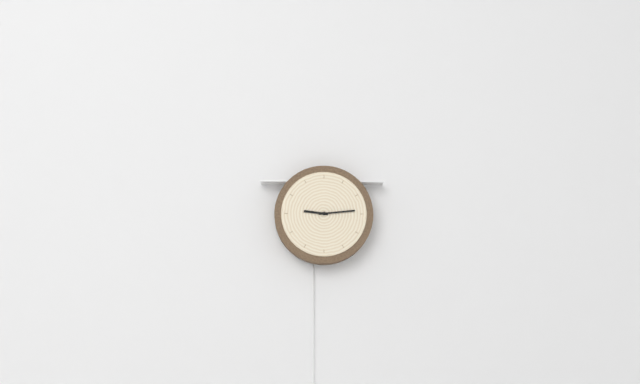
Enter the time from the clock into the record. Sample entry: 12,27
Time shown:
9,14
